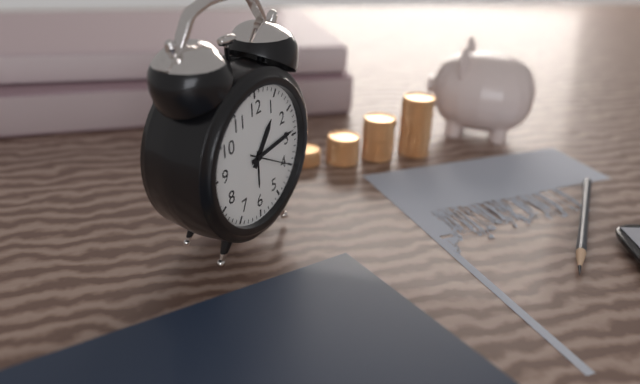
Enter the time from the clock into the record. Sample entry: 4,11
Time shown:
1,14
